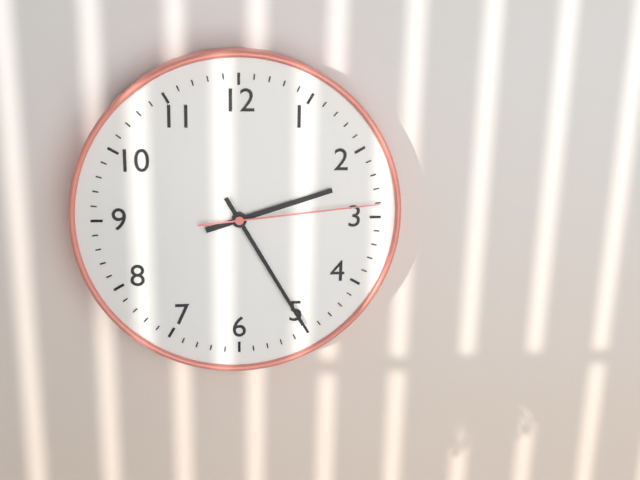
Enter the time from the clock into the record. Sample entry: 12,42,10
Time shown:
2,25,14
